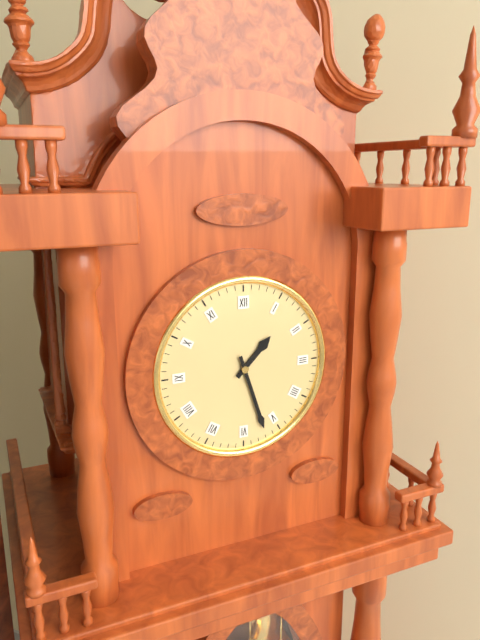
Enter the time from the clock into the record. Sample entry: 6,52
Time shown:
1,27
